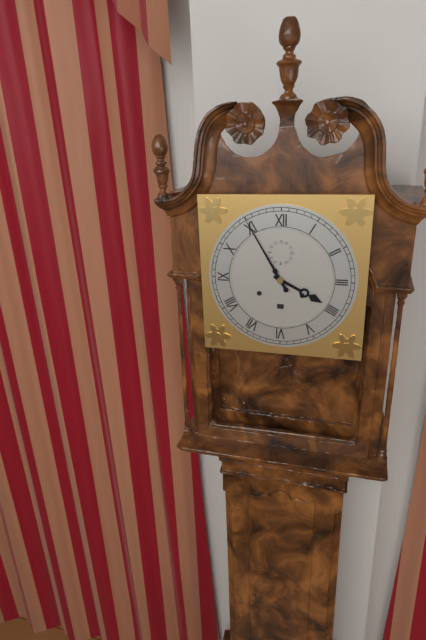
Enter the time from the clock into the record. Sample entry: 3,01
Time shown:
3,55
